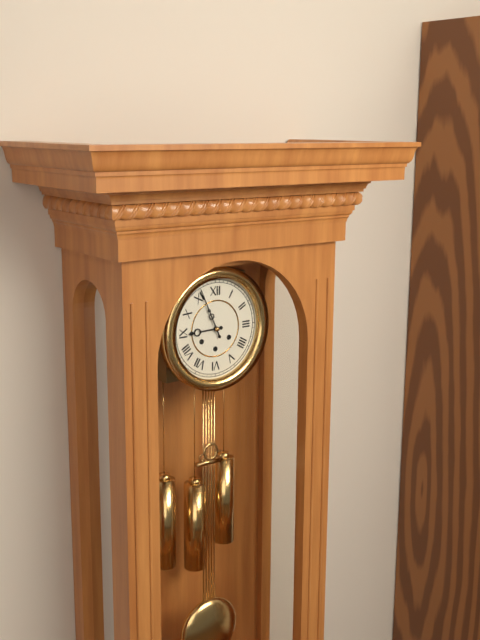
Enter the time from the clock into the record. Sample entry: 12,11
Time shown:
8,56
